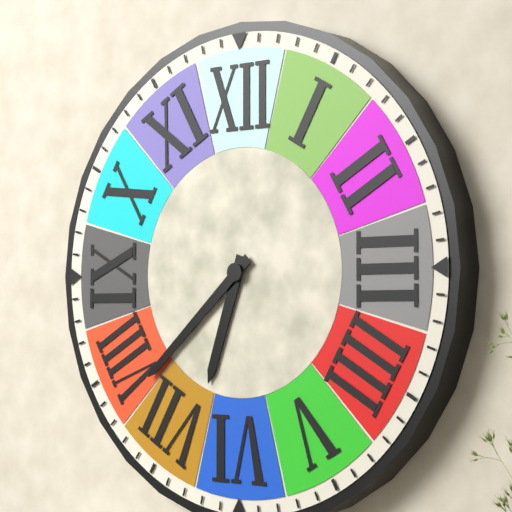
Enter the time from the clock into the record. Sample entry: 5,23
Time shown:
6,38
